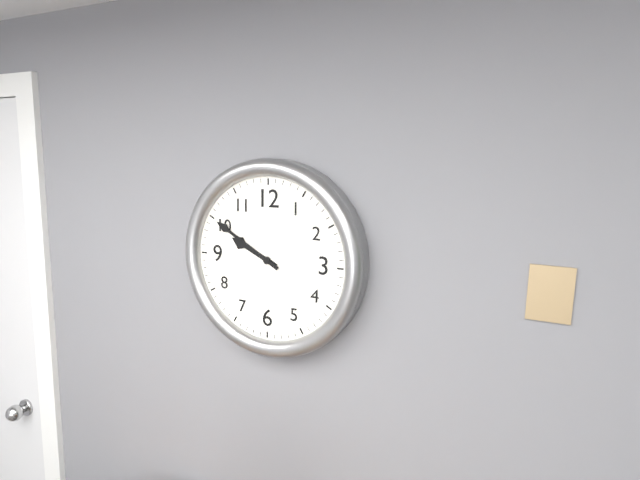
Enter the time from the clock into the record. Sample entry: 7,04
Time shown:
9,50
